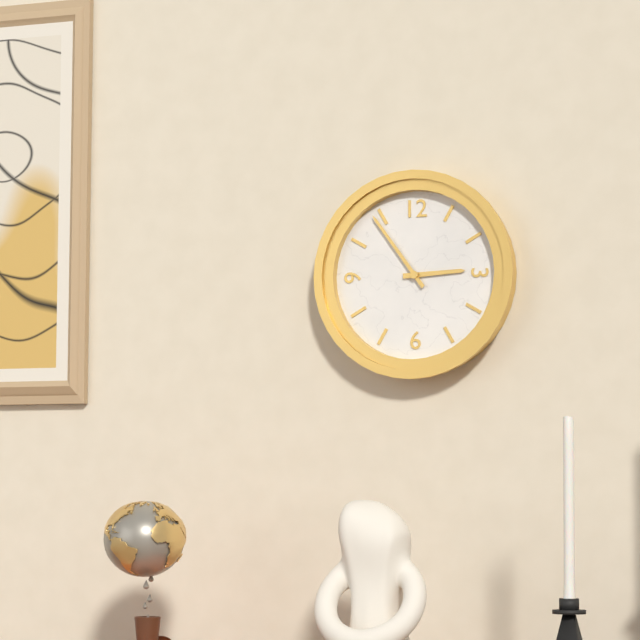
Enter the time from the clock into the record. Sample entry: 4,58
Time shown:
2,54
